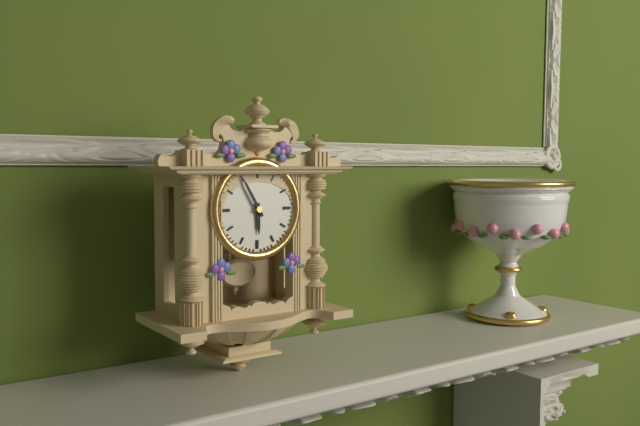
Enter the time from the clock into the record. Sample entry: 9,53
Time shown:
5,55
